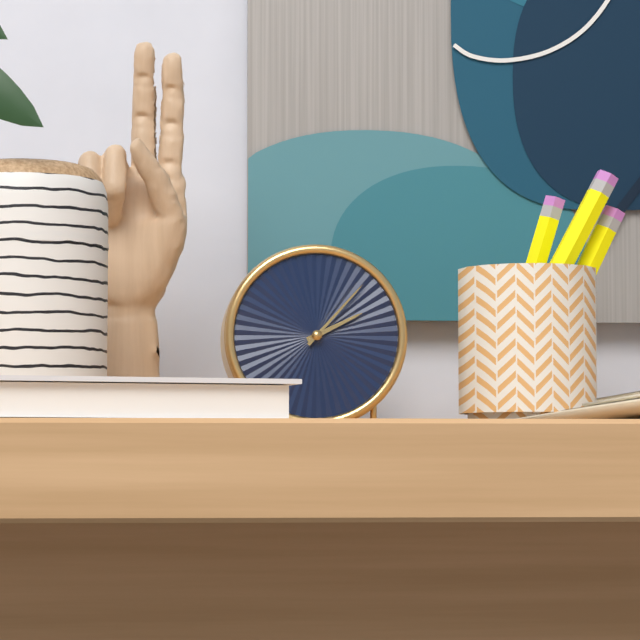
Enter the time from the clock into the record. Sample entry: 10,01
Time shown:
2,07
